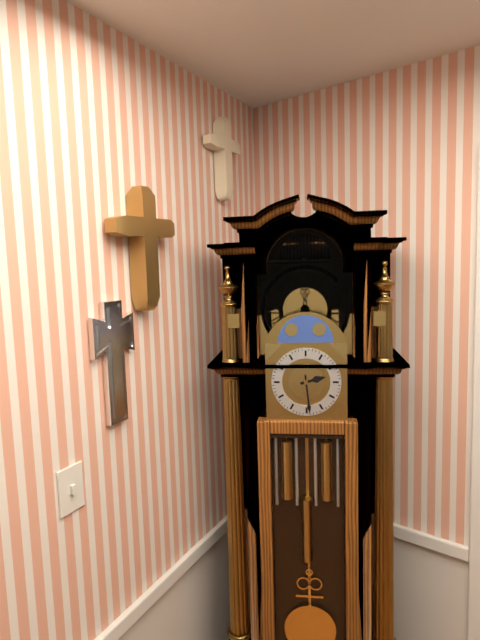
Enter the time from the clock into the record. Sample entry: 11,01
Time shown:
2,29
